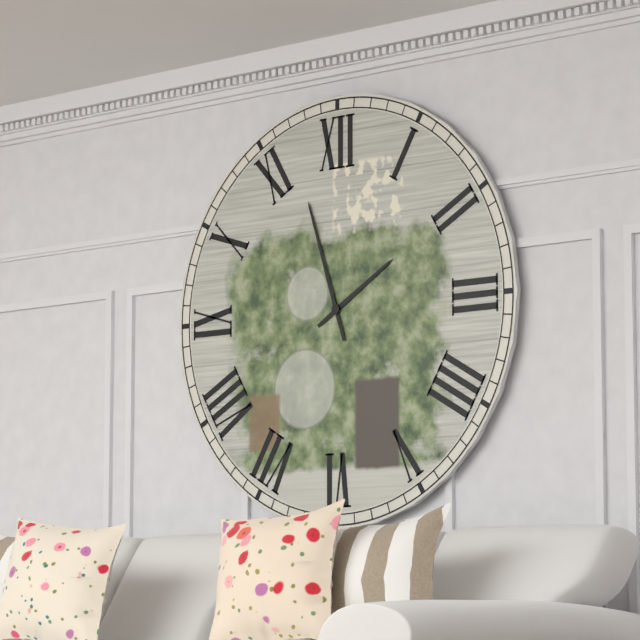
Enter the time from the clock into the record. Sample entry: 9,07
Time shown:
1,57
